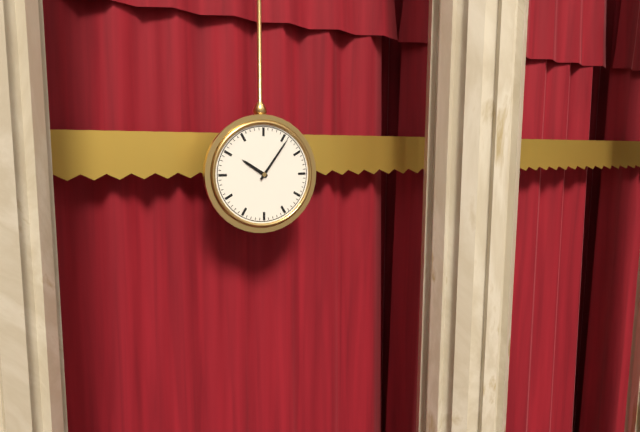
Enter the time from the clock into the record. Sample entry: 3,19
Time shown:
10,06
